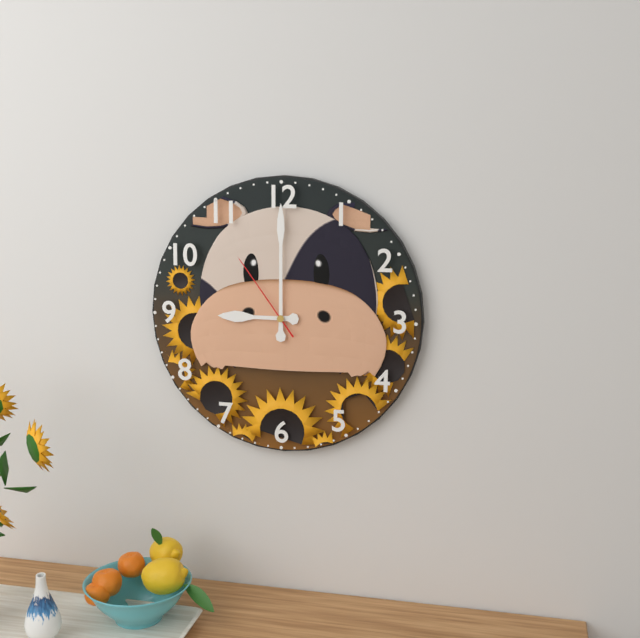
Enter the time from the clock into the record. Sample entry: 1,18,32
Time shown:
9,00,54
